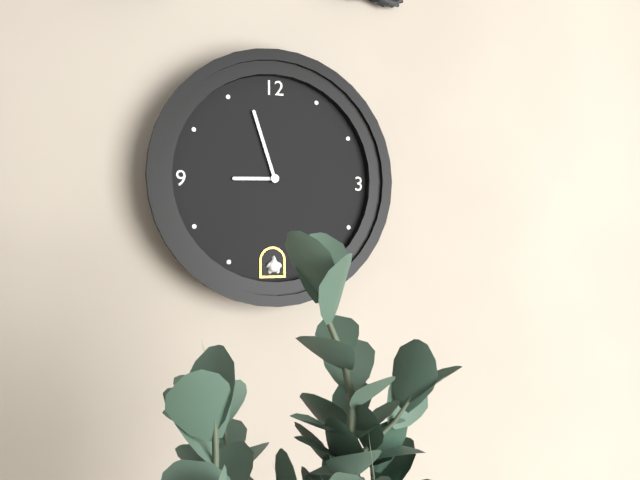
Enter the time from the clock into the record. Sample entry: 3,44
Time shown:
8,57
